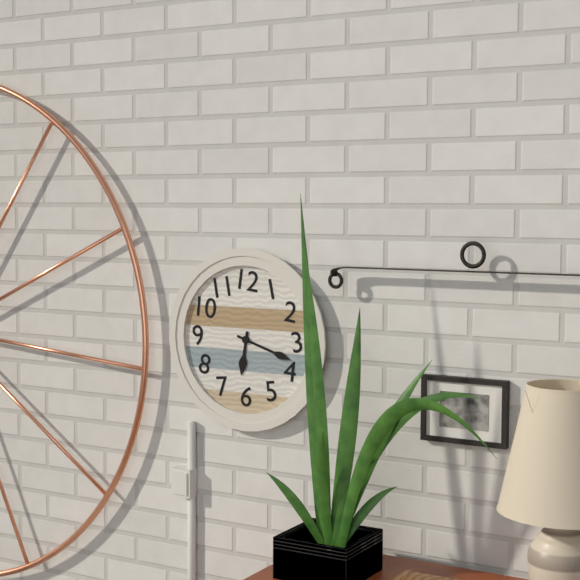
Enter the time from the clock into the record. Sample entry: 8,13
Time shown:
6,18
